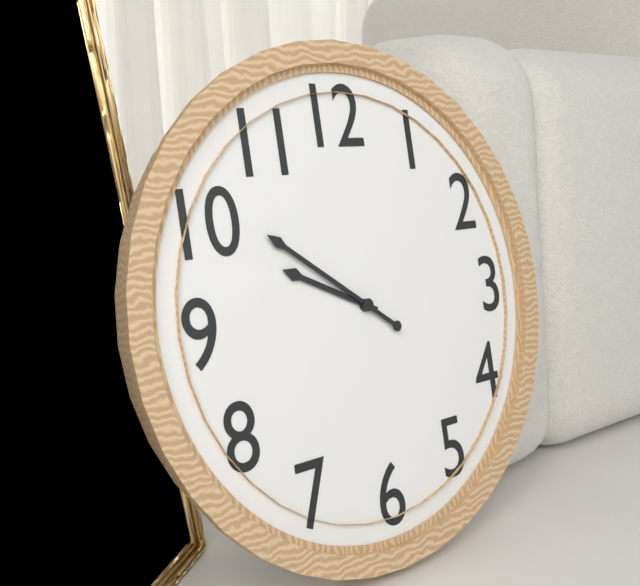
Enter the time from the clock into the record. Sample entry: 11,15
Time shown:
9,51
